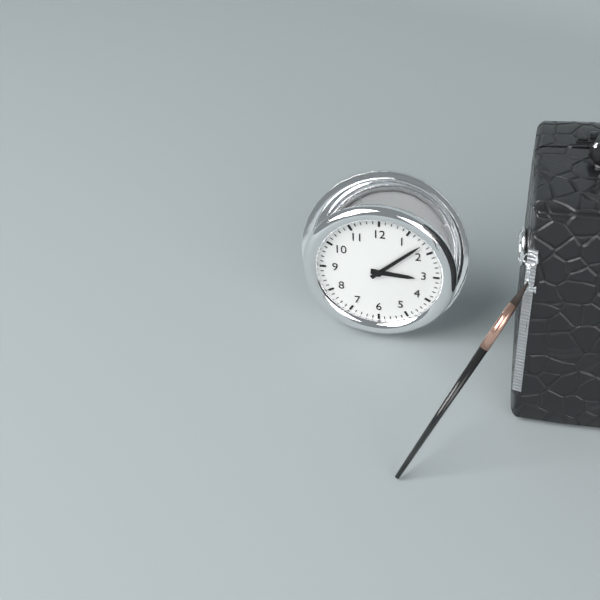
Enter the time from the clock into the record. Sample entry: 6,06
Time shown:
3,08
